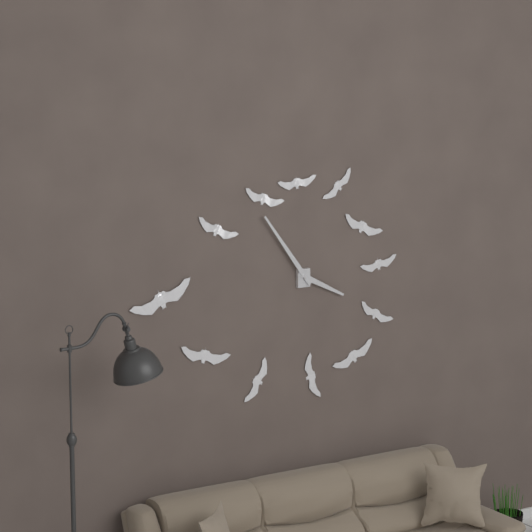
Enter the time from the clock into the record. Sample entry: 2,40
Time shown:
3,54
